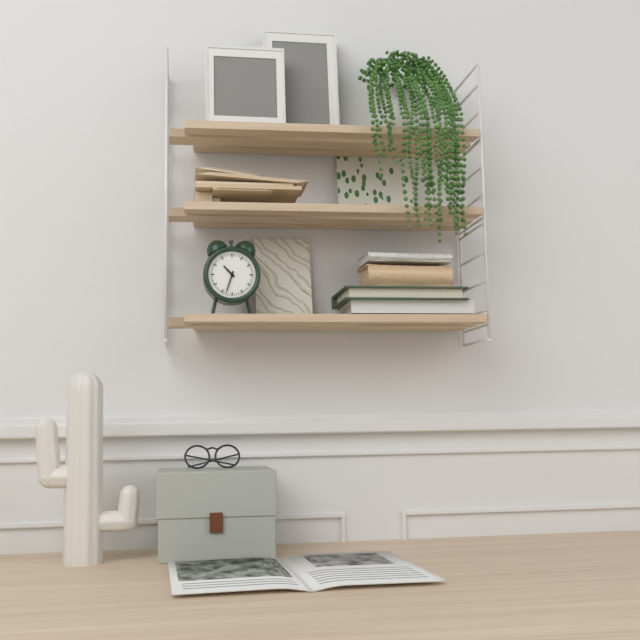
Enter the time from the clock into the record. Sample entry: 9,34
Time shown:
10,33
